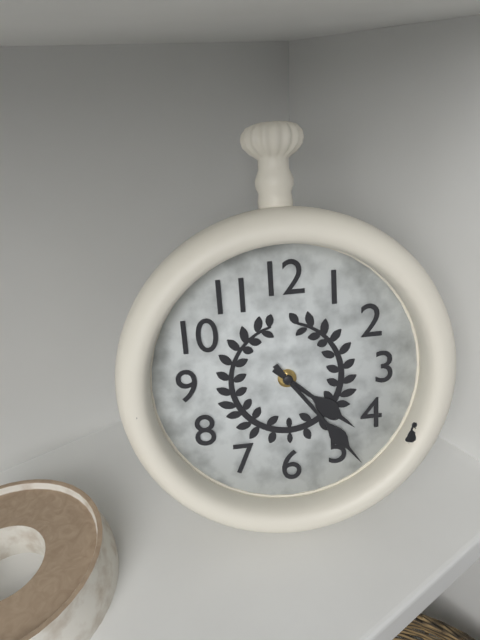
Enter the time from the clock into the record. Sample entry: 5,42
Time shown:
4,24
